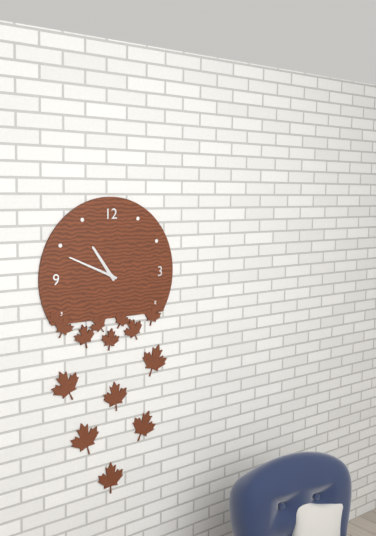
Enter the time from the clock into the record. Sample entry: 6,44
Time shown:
10,49
